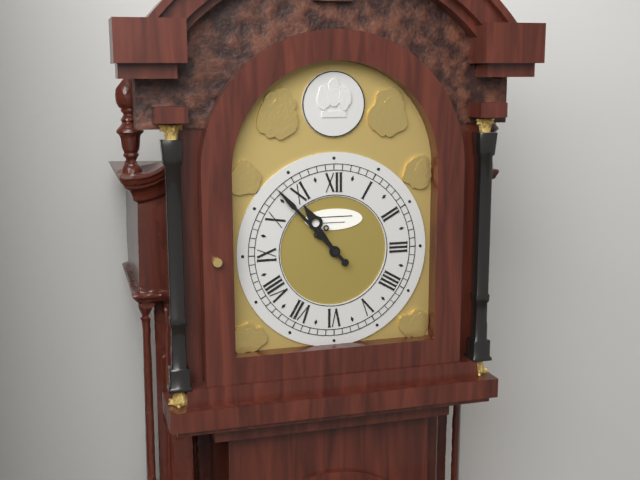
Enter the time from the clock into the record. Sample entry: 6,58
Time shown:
10,53
